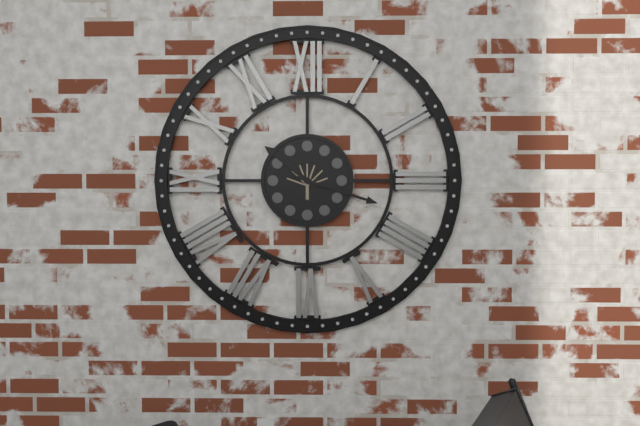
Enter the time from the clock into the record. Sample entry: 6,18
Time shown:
10,18
